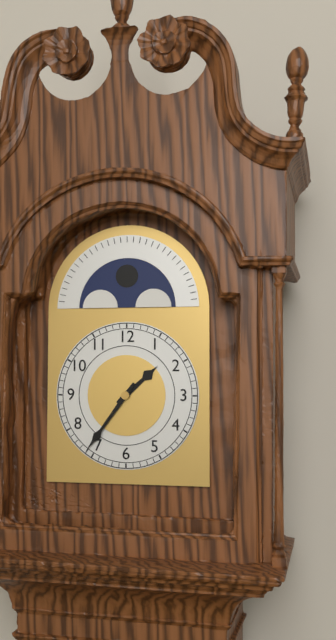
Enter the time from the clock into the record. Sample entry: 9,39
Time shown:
1,36
